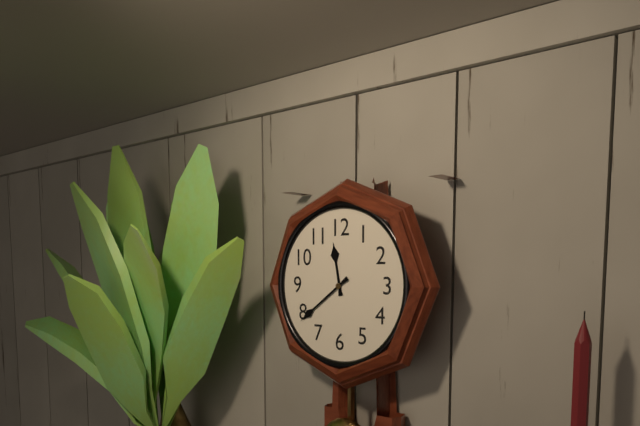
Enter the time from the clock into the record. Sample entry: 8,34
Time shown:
11,39
